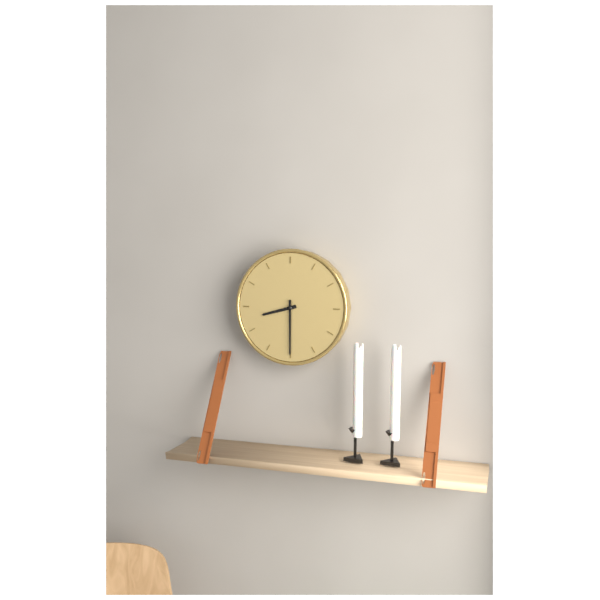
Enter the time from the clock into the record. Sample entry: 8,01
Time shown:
8,30
